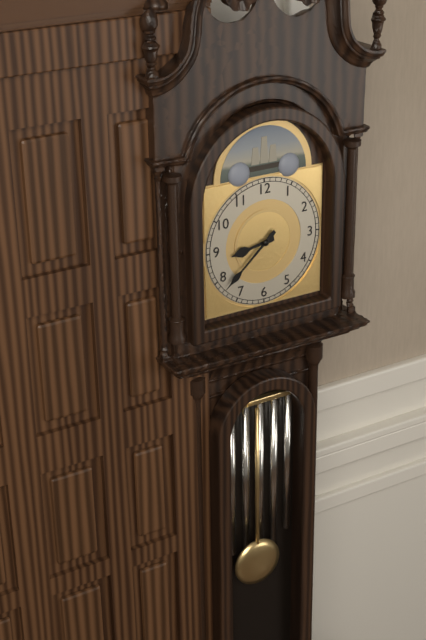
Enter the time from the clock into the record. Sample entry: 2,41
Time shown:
8,38
